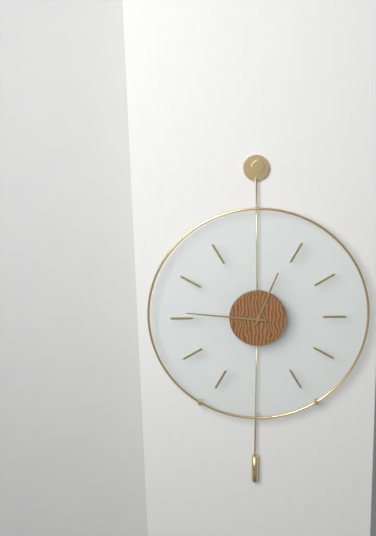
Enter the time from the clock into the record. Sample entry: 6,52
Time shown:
12,46
